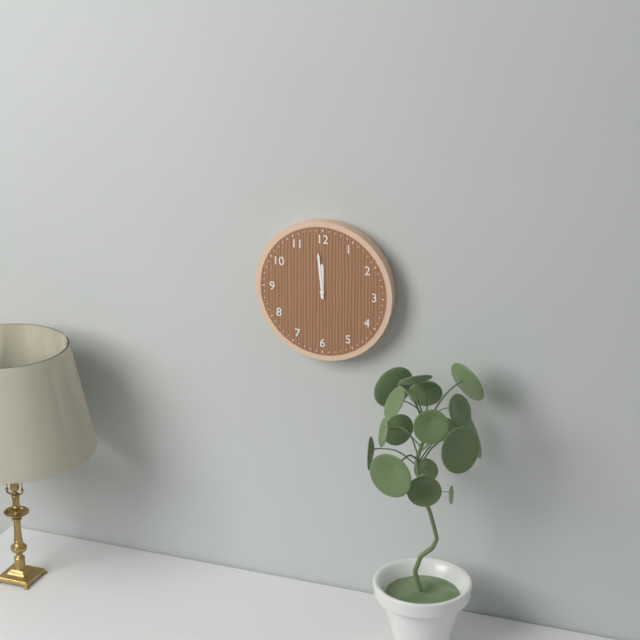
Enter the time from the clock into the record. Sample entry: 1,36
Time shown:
11,59
